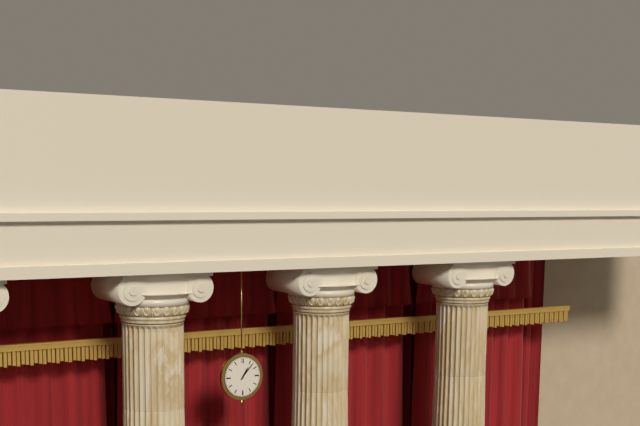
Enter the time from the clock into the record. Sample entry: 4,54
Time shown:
1,07
